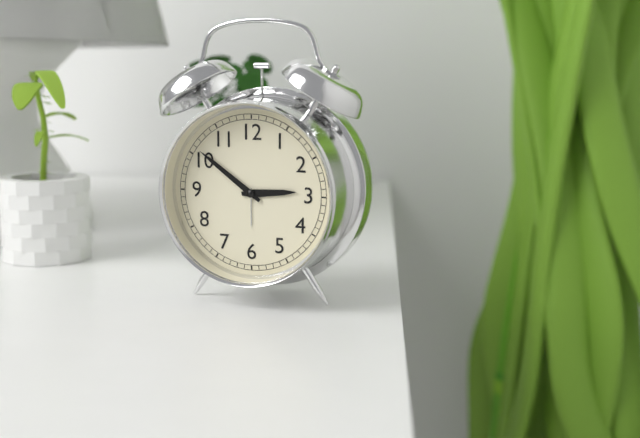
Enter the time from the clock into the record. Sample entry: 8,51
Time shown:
2,51
